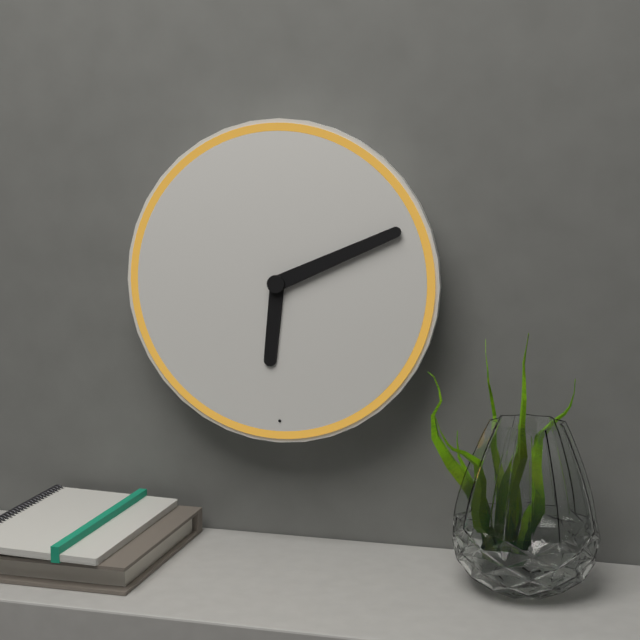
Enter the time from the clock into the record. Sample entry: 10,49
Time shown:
6,11
